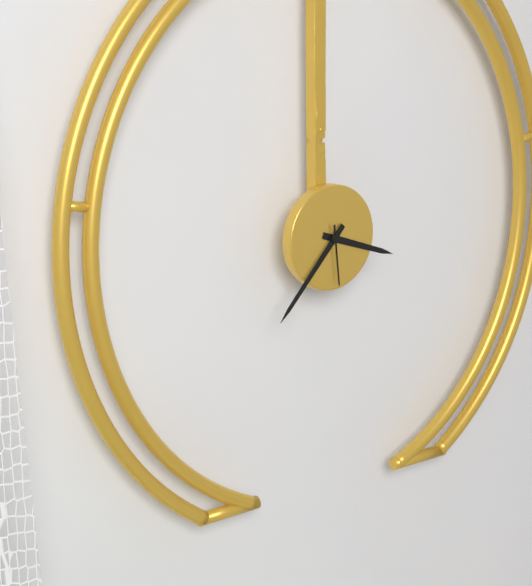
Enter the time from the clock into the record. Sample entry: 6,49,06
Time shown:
3,37,29
